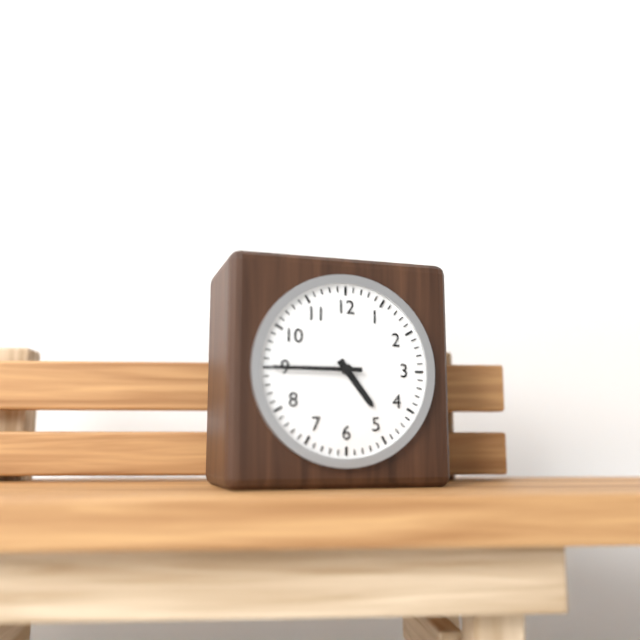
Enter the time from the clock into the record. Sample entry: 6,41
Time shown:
4,45
